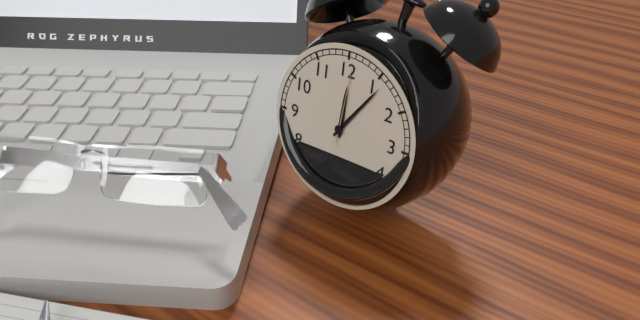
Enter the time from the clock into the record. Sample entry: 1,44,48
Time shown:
12,06,01
